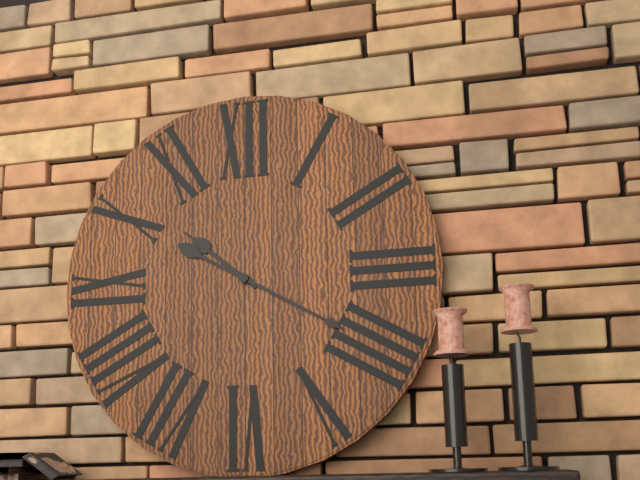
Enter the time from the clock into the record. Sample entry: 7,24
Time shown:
10,20
